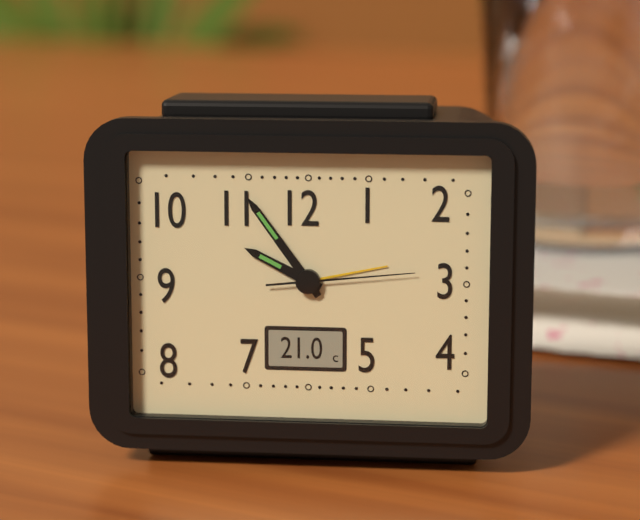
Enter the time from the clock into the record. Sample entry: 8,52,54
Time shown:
9,54,14
